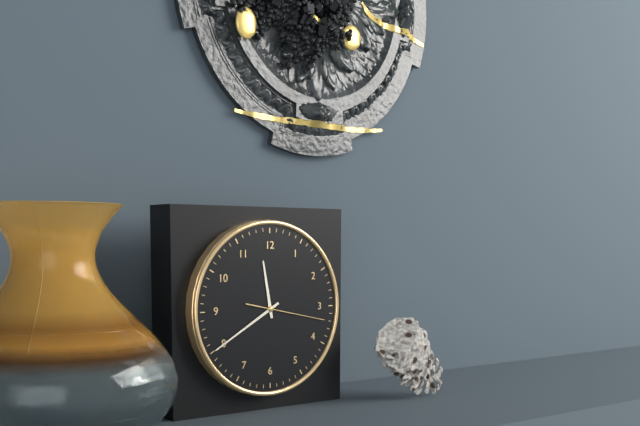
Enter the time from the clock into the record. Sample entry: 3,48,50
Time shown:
11,40,17
